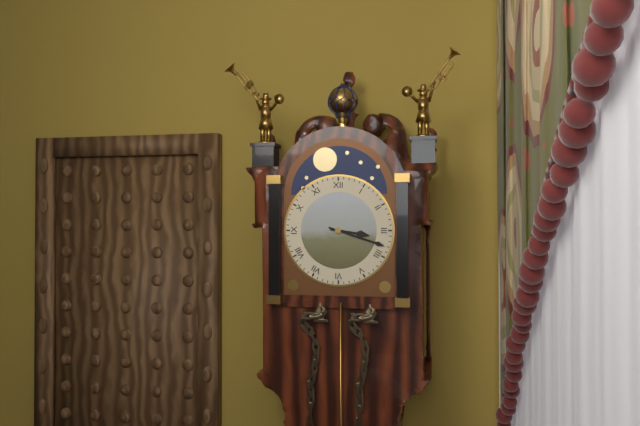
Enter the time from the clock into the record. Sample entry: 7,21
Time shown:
3,18
